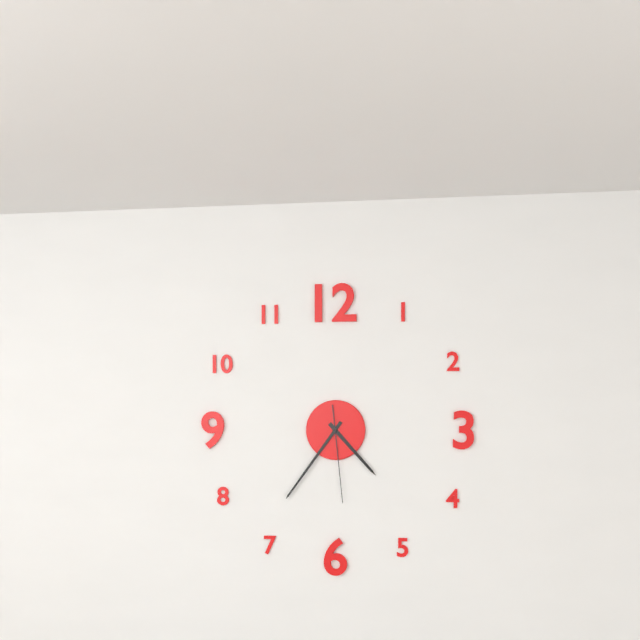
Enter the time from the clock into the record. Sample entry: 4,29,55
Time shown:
4,36,29
